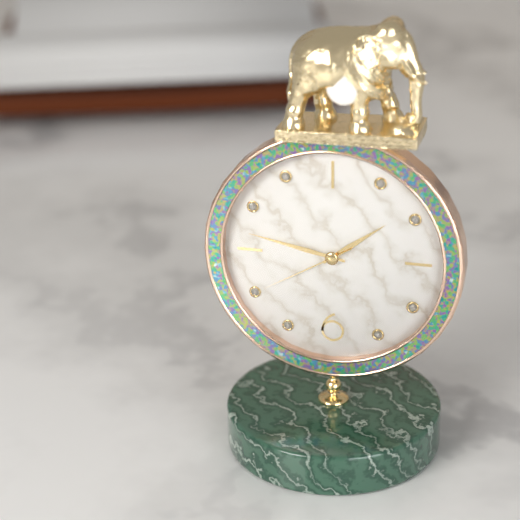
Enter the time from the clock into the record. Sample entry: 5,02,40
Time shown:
1,47,40
